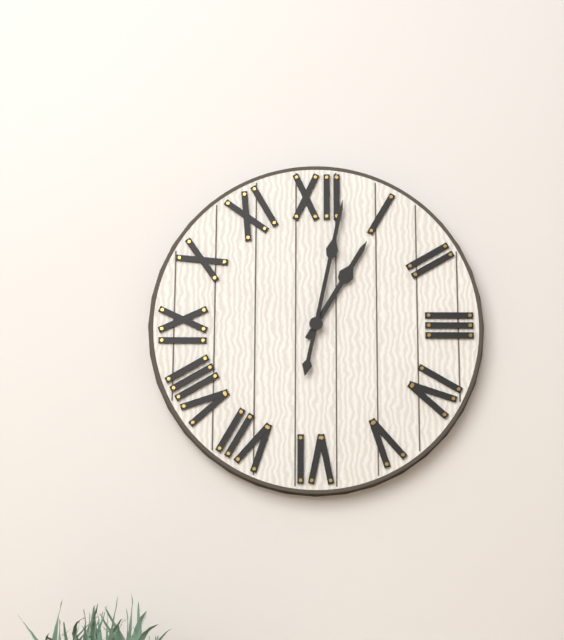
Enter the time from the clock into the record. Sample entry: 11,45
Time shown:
1,02
